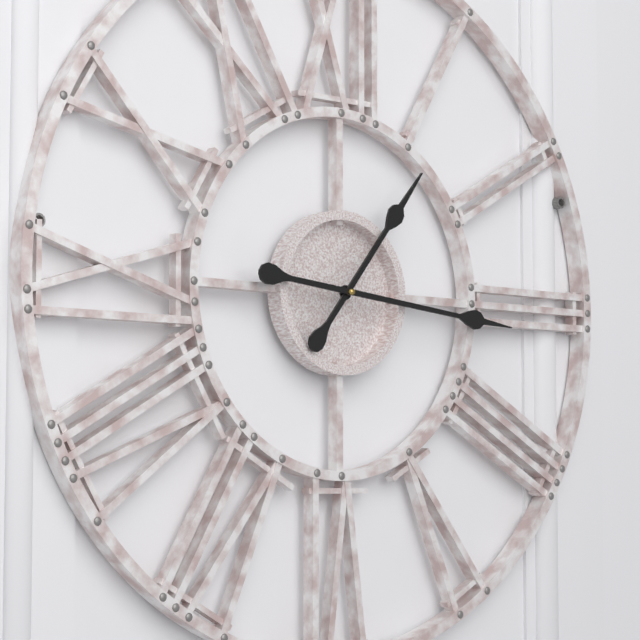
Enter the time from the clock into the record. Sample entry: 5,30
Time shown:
1,16
